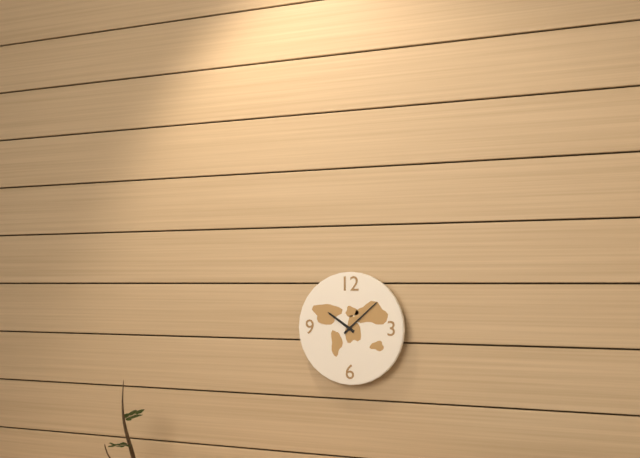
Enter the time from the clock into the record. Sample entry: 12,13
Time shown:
10,08
